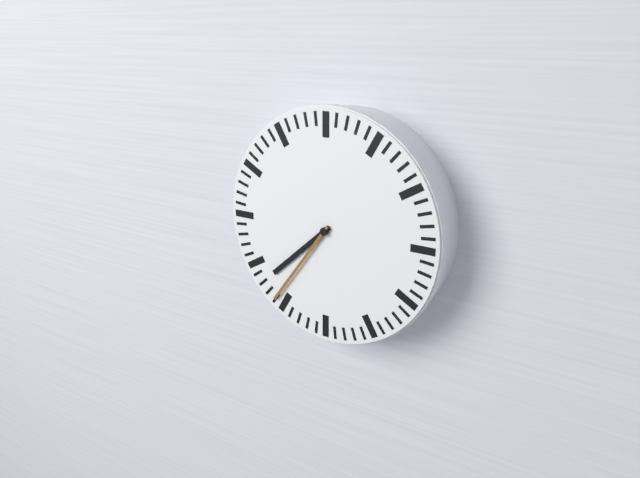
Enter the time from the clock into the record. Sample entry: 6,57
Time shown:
7,36
